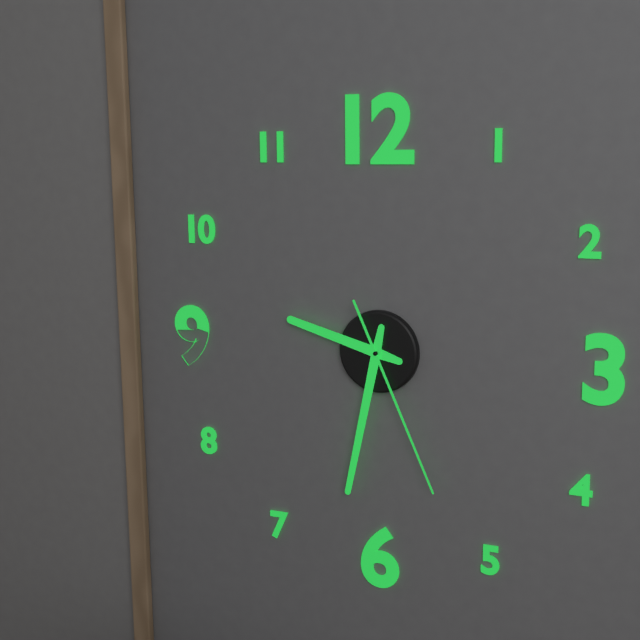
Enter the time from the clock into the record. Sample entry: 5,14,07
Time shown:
9,32,26
